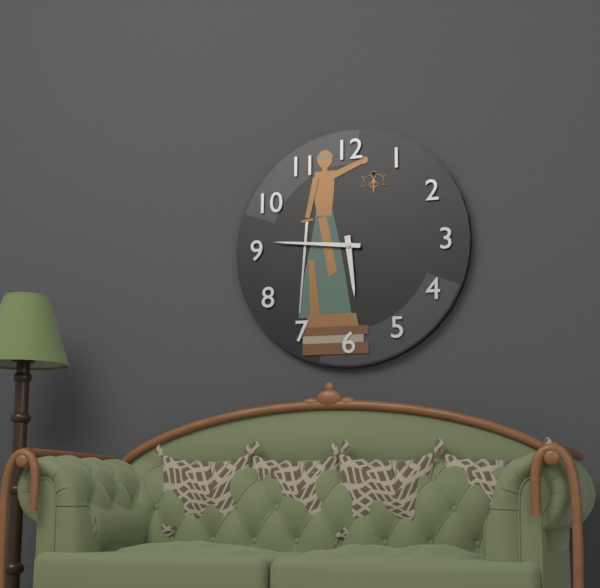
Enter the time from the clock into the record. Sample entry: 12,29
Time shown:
5,46
